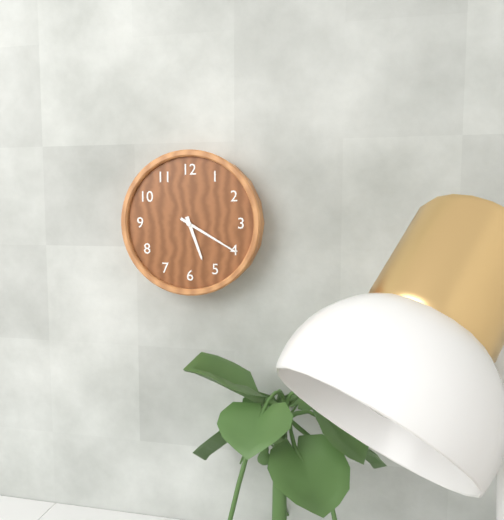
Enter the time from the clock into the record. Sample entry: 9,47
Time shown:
5,20
